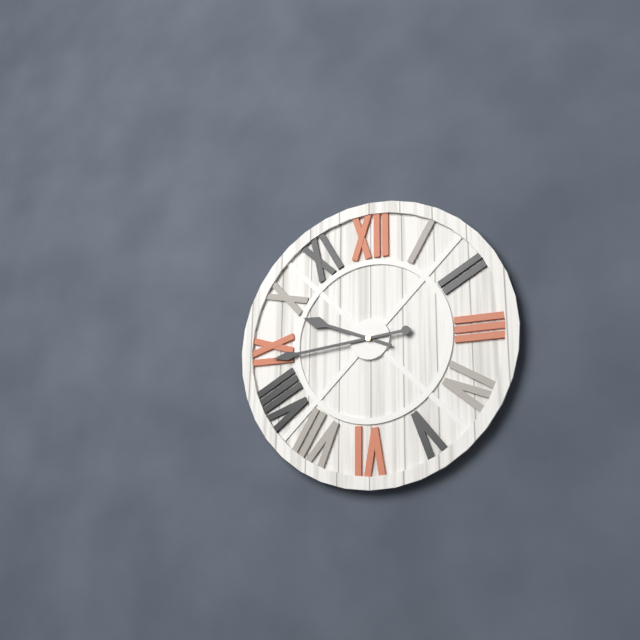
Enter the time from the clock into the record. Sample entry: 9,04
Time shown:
9,44
